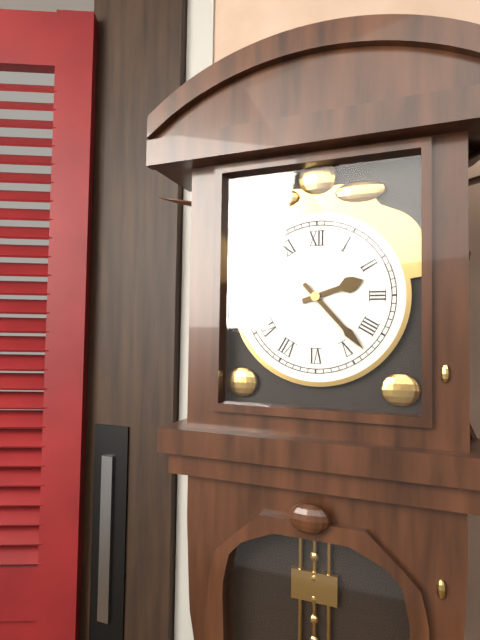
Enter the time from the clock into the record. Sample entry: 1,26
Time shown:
2,23
